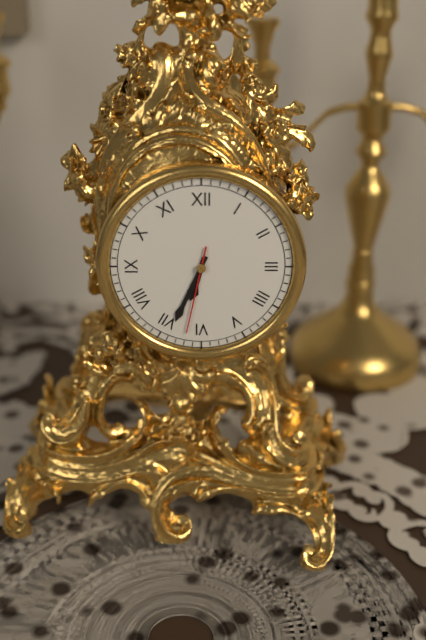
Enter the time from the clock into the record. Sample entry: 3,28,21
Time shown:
6,34,32
